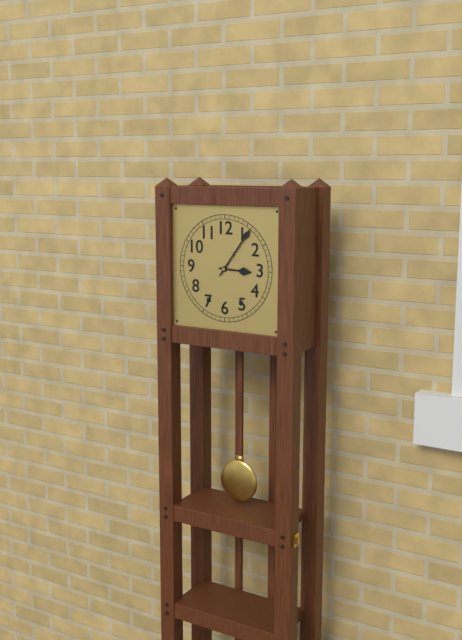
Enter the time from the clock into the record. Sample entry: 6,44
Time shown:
3,06
